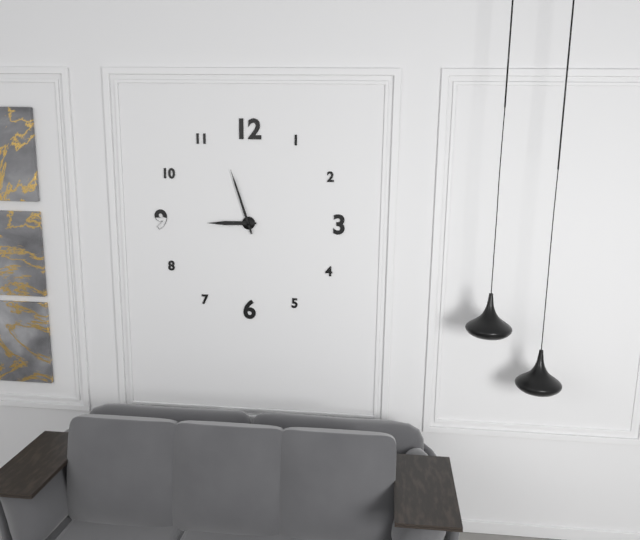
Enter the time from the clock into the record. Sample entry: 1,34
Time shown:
8,57
